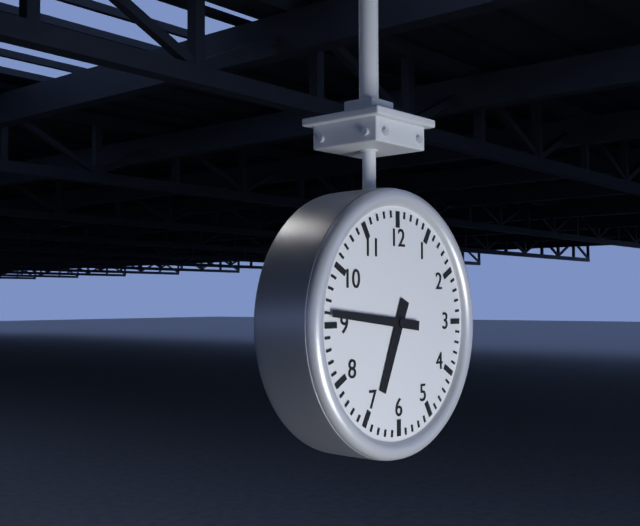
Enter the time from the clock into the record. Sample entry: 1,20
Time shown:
6,46
